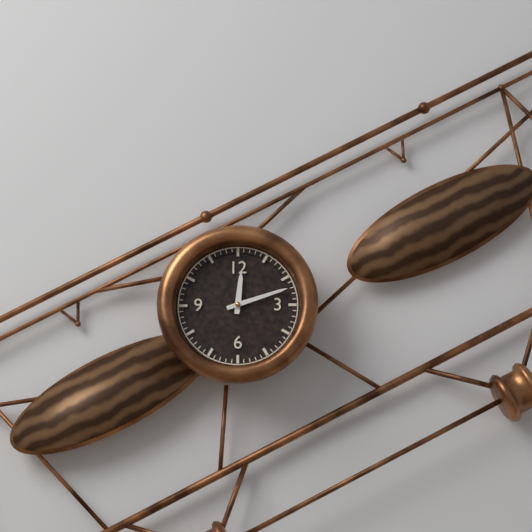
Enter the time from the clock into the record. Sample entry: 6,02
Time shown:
12,12
